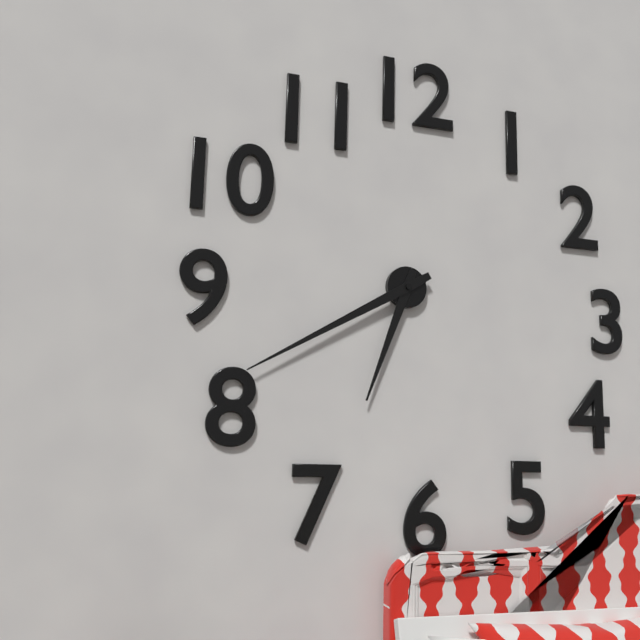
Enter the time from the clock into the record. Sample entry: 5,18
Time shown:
6,40
